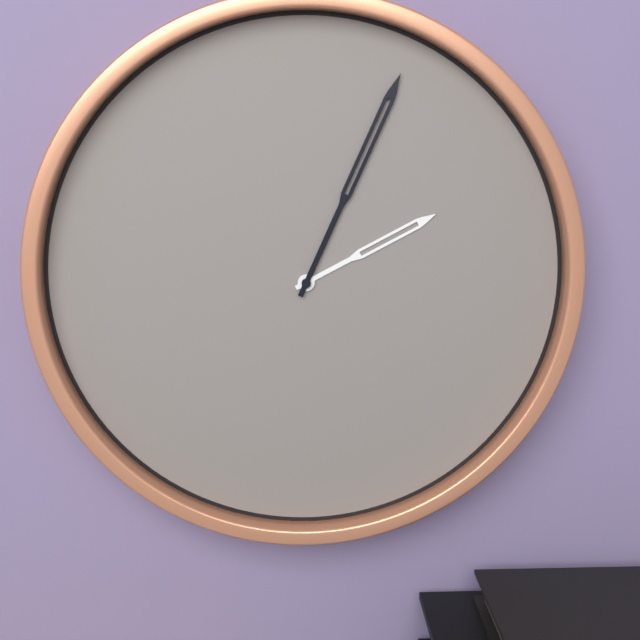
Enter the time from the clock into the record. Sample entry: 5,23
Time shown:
2,04
